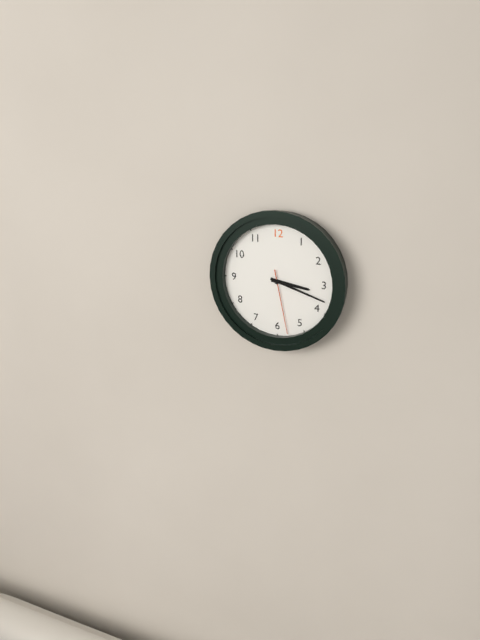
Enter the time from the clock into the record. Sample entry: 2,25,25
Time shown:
3,18,28
